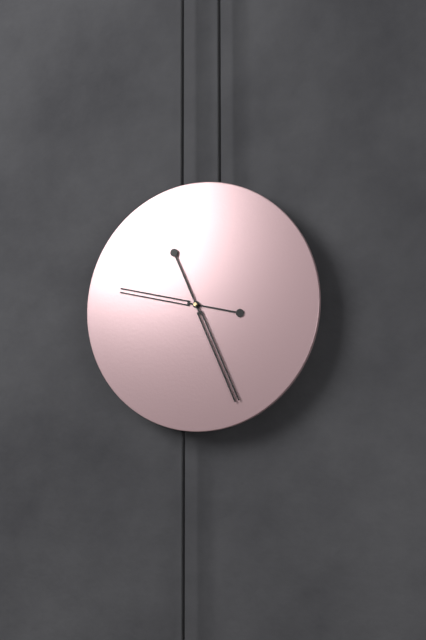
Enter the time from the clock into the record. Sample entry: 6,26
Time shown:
9,26
